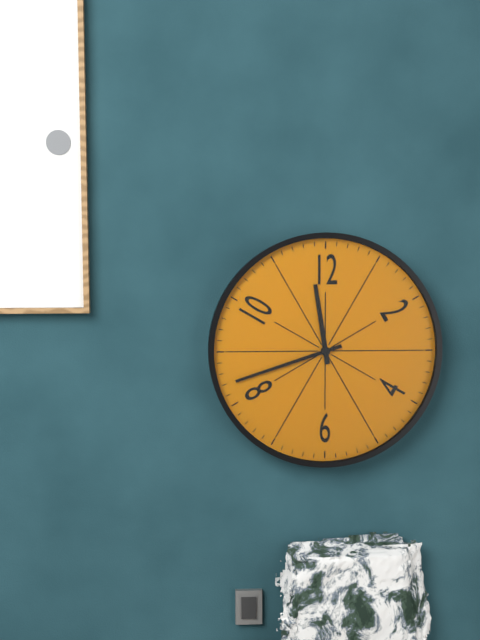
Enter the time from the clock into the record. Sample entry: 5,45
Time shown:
11,42
